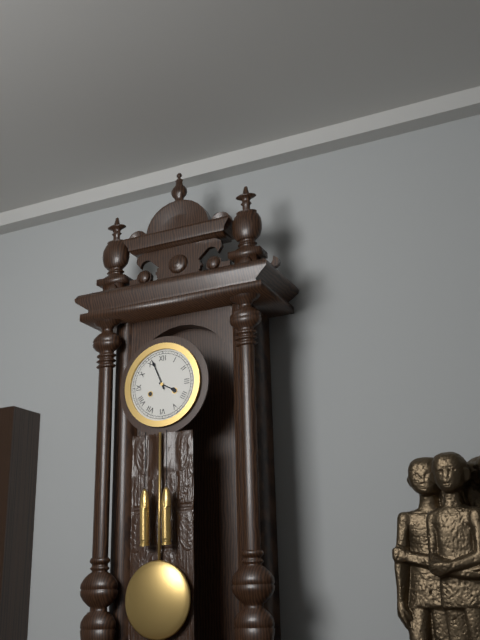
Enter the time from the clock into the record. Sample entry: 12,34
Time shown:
3,56
